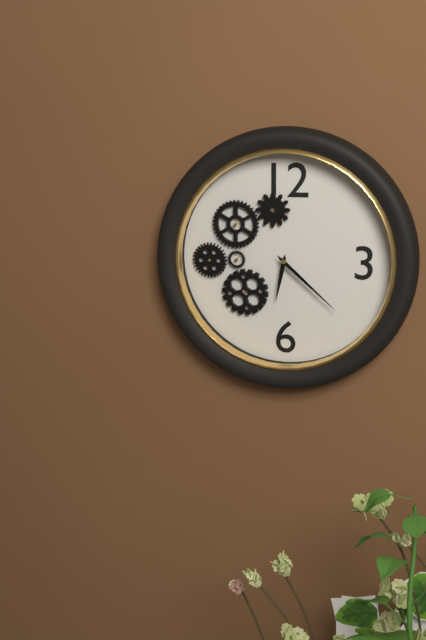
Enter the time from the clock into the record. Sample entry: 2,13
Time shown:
6,22
